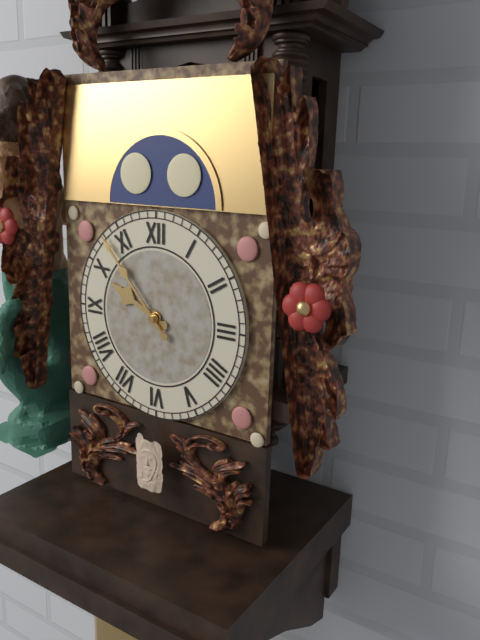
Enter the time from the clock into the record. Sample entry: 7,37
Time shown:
9,53
